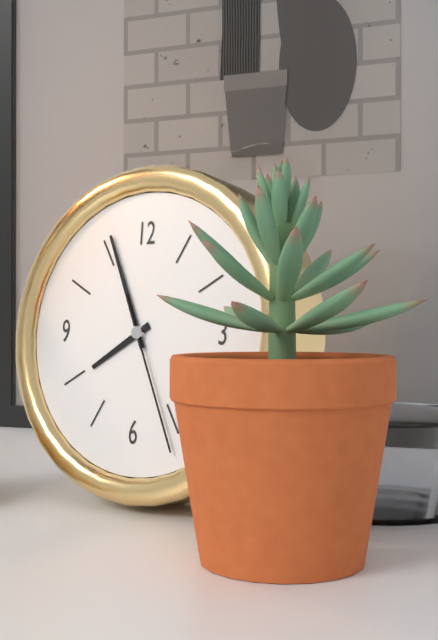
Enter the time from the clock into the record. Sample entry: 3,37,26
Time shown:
7,56,26
